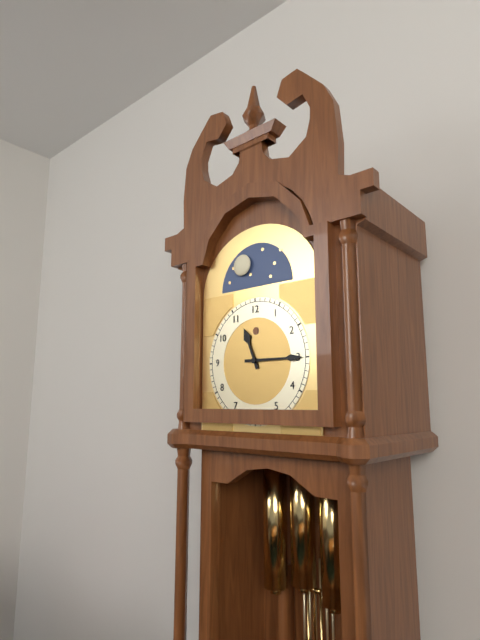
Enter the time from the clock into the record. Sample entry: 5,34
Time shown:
11,15
